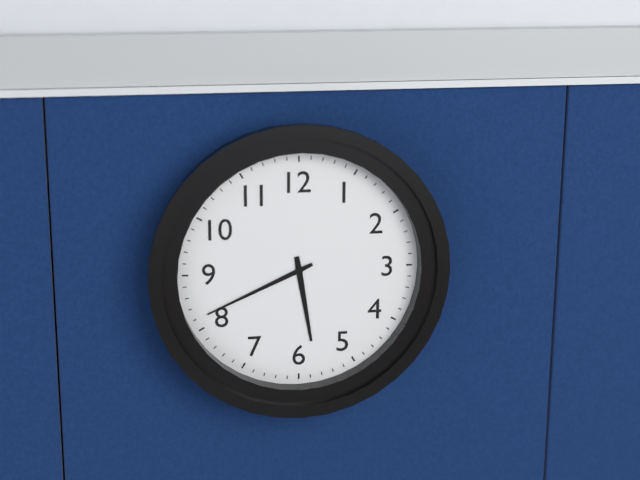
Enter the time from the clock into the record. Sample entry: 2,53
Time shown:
5,41
